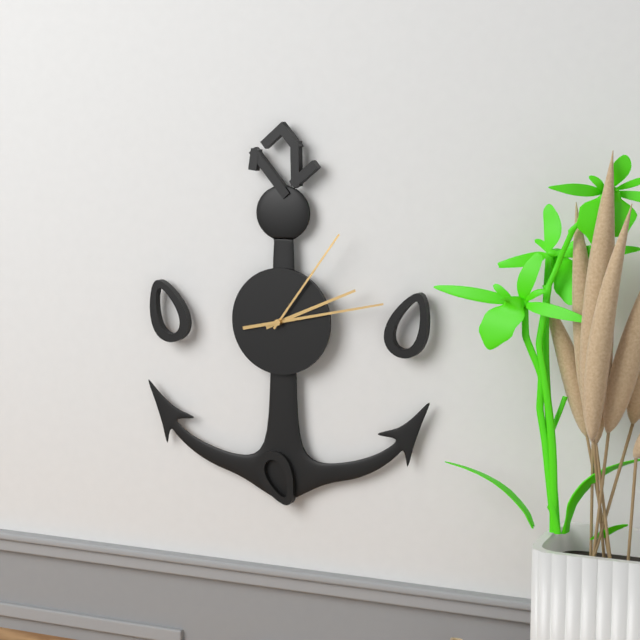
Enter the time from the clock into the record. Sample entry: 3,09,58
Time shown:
2,13,06
